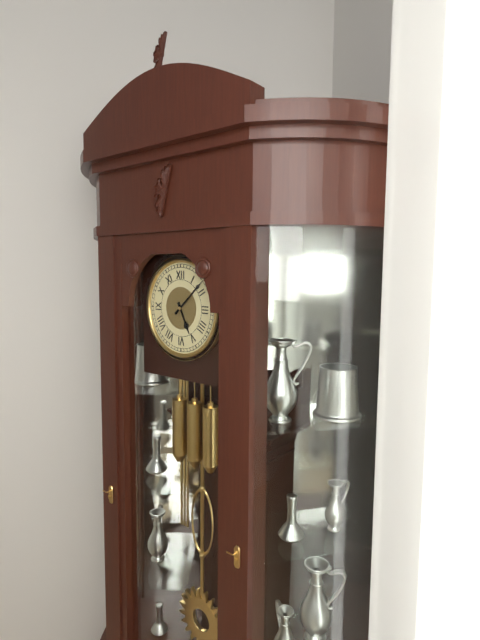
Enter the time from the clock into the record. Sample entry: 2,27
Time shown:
5,08
